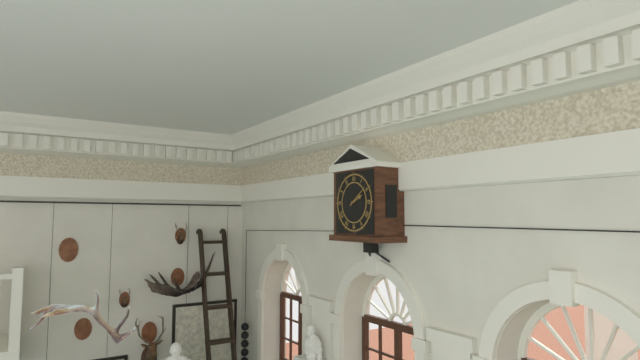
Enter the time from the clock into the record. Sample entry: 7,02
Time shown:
2,09
